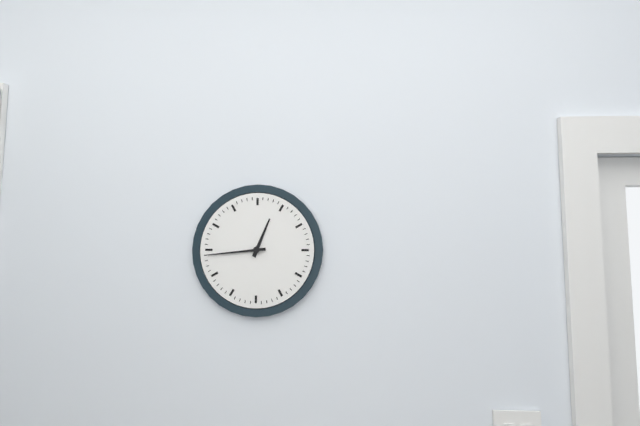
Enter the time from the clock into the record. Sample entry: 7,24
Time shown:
12,44
